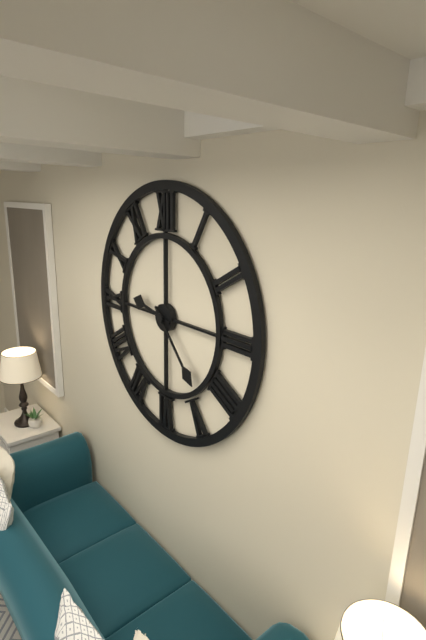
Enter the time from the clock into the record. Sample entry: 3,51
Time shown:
9,23
